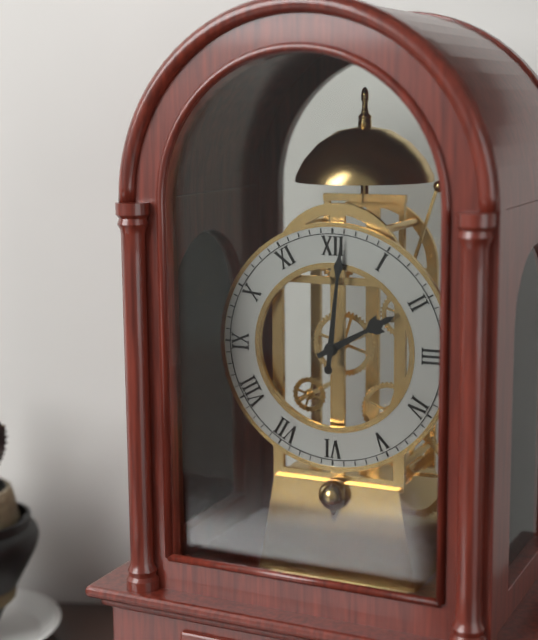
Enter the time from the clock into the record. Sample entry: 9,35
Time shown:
2,01
